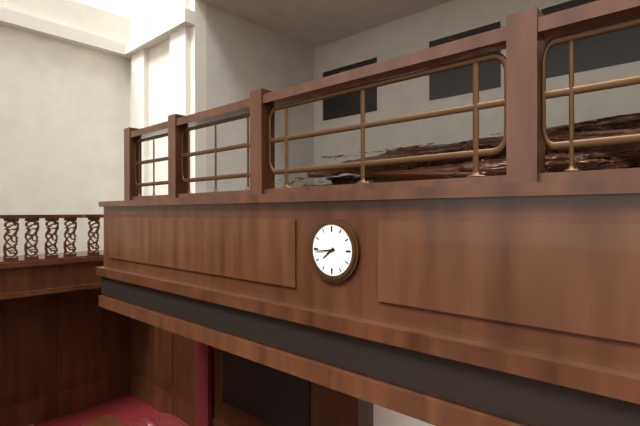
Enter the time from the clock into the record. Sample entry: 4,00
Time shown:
7,44
